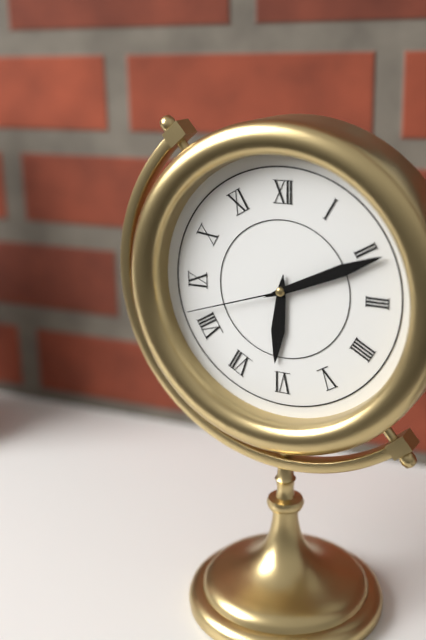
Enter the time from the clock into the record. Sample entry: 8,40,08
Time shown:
6,11,42
